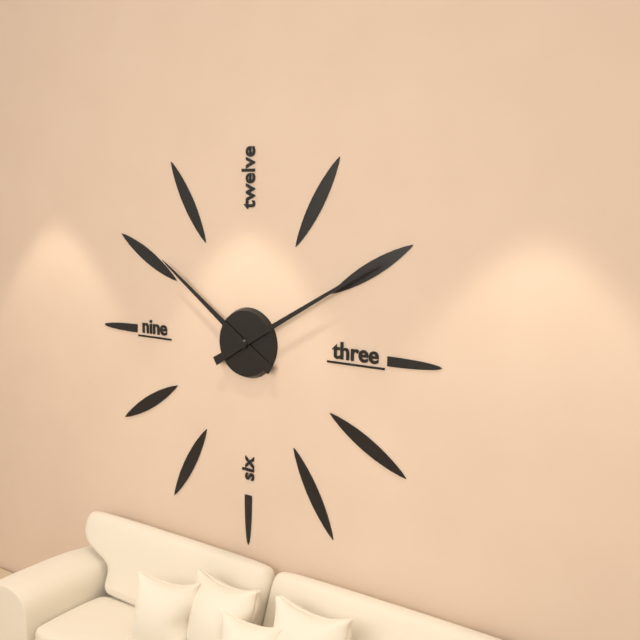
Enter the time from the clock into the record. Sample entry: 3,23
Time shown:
10,10
